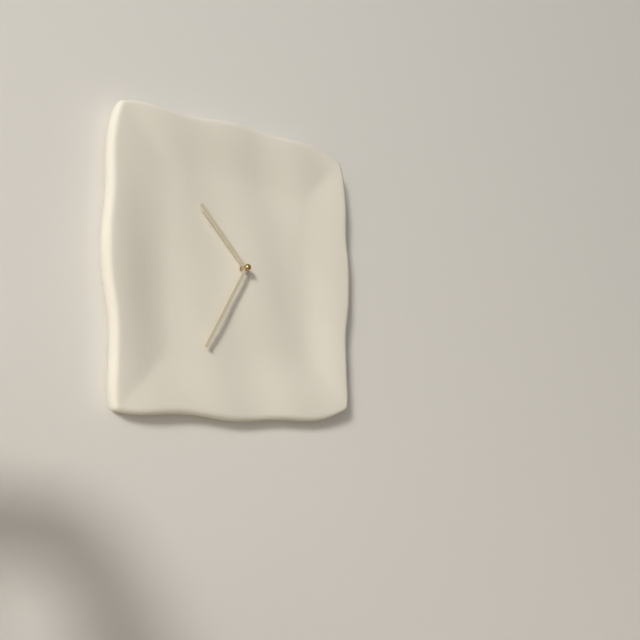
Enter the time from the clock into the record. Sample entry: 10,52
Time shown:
10,35
